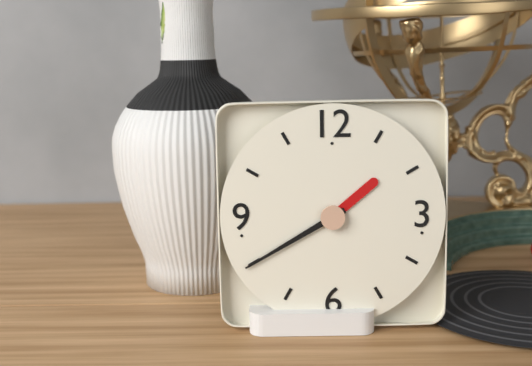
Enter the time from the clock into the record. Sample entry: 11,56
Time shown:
1,40
